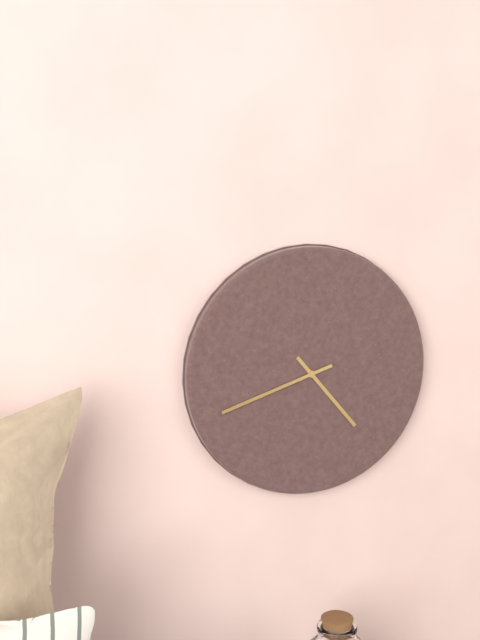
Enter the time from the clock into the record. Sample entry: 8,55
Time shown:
4,42
